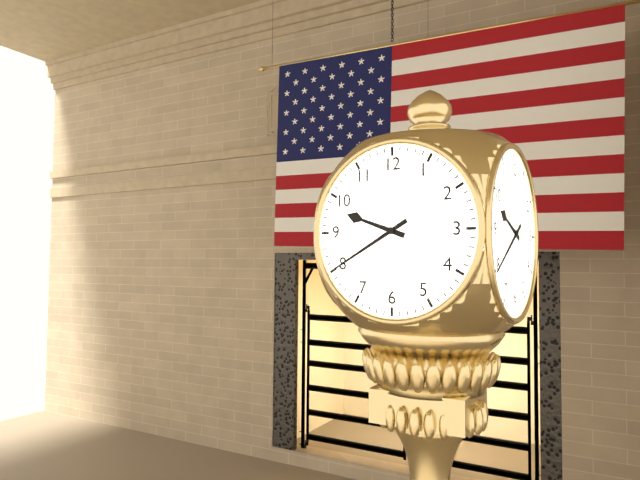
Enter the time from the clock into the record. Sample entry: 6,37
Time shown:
9,40
